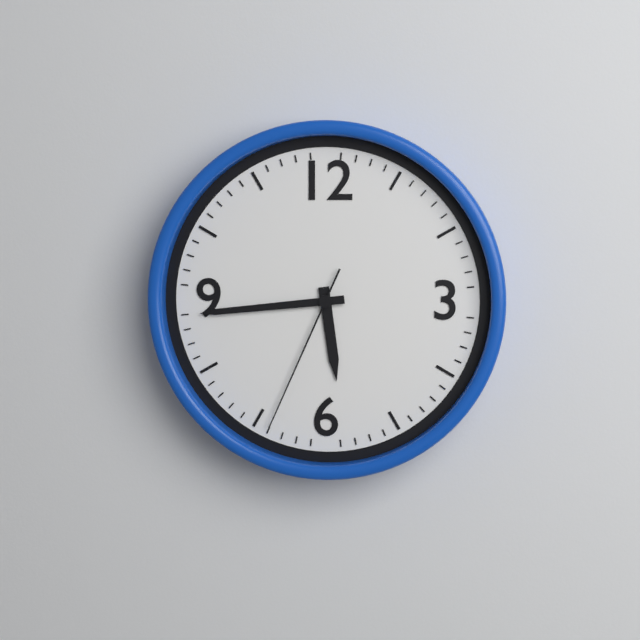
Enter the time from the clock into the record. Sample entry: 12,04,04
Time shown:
5,44,34
